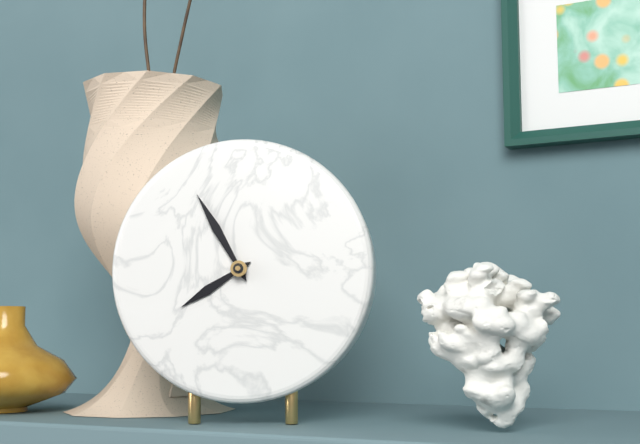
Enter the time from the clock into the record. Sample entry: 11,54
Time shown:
7,55
